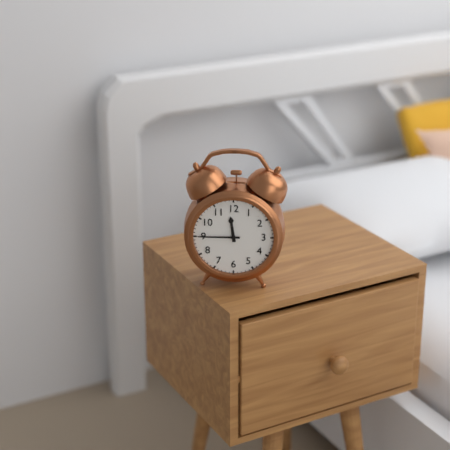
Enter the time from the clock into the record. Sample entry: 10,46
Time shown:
11,45
